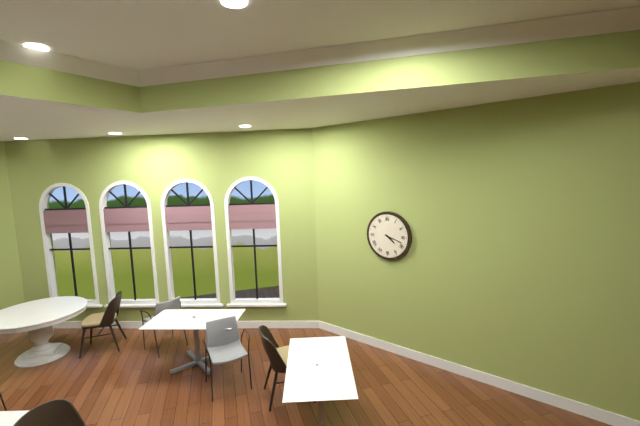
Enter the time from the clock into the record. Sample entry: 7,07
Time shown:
4,18
